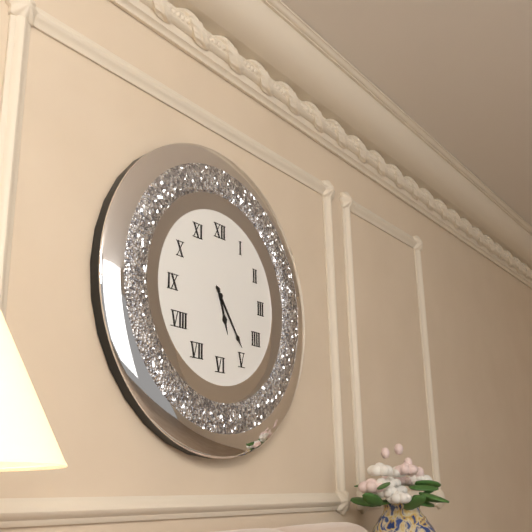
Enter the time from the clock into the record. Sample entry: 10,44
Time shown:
5,24
